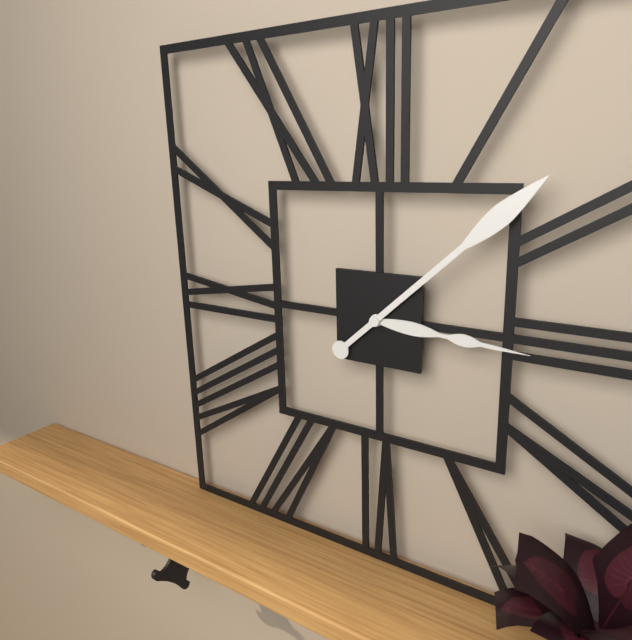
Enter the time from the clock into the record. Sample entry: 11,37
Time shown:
3,08
